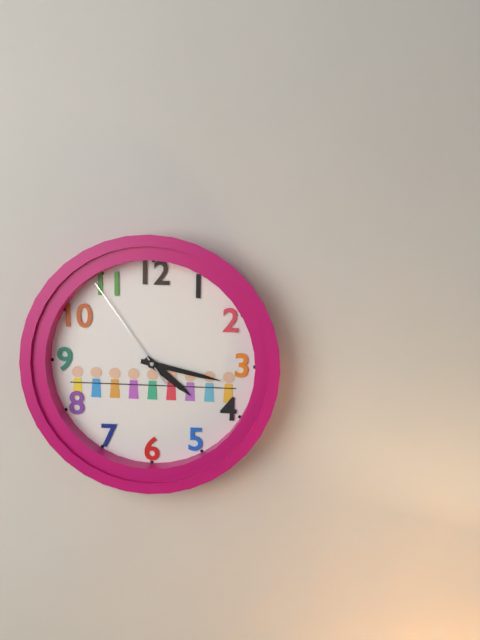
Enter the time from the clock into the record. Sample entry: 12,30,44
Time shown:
4,17,54
